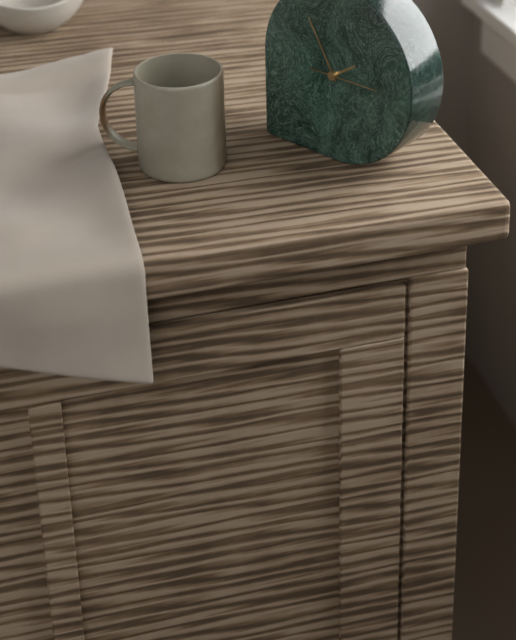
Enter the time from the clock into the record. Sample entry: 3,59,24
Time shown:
1,55,15
